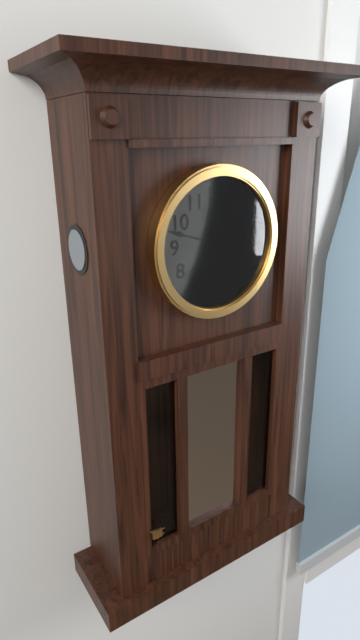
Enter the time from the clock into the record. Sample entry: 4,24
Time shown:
3,48
